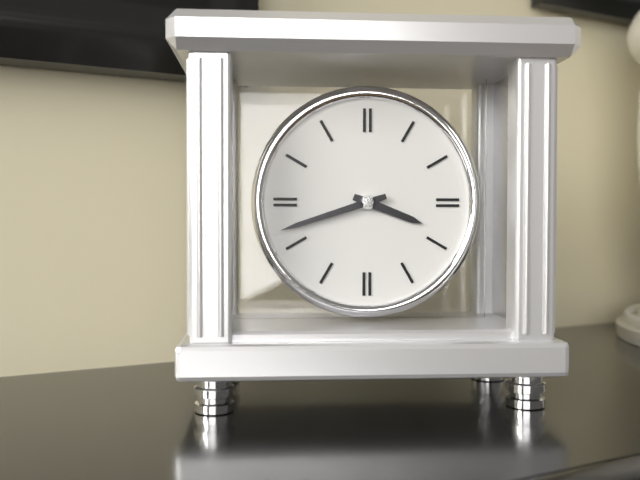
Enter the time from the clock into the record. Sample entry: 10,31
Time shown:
3,42
